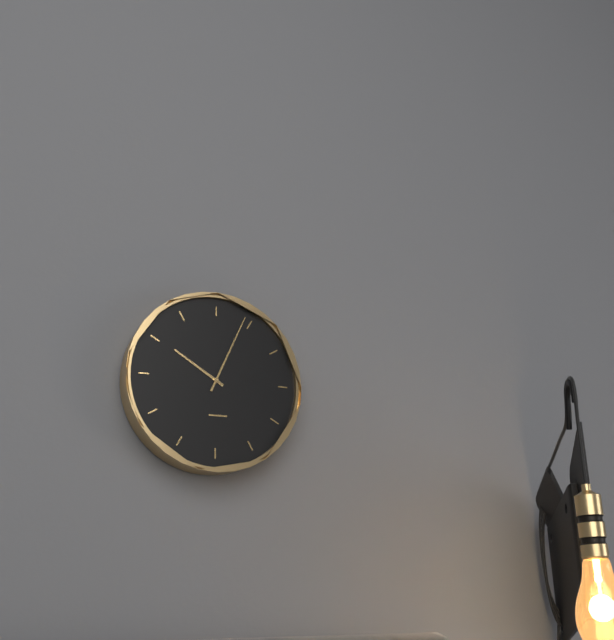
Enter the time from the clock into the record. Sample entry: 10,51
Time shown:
10,04
